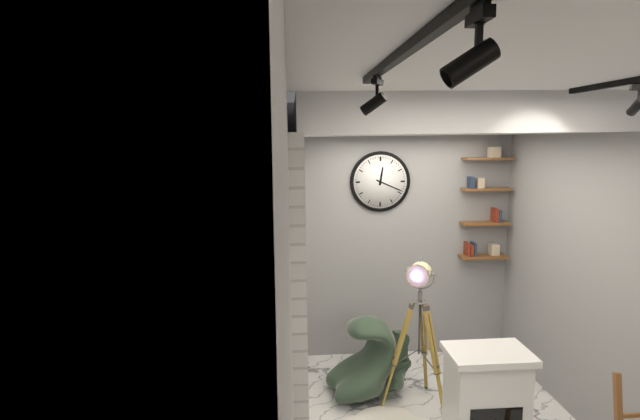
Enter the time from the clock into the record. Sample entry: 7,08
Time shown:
12,19
